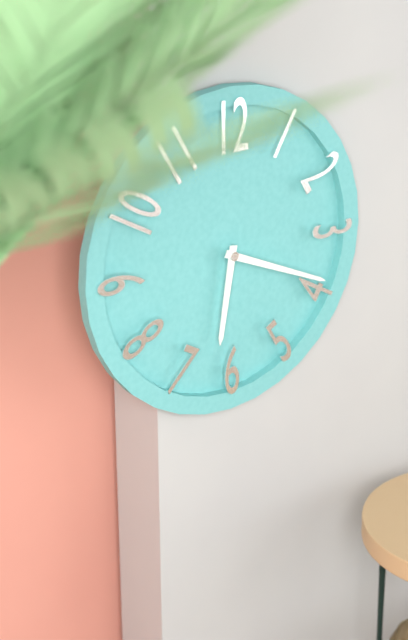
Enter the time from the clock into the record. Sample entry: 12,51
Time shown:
6,19
